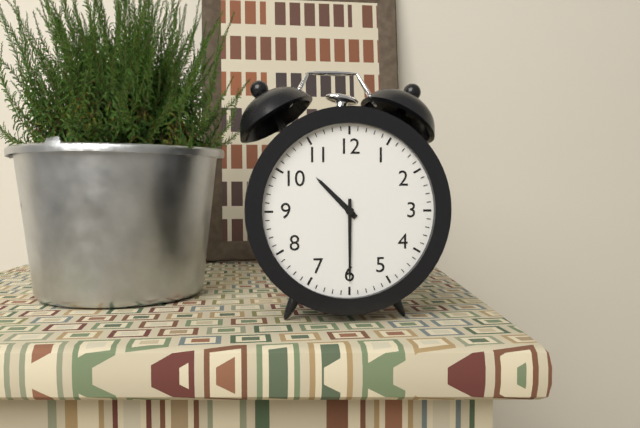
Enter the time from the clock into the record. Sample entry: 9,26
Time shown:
10,30
